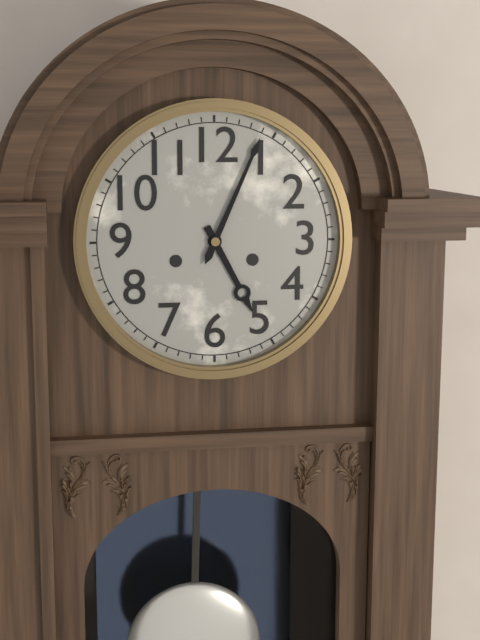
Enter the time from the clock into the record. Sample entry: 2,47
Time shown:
5,04
